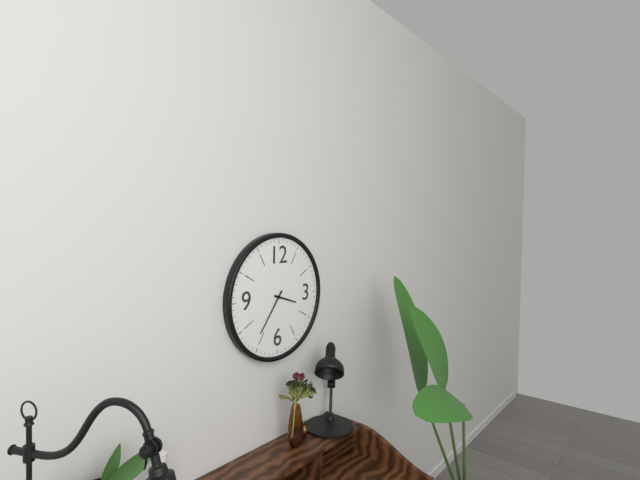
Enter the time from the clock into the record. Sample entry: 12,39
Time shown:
3,36
